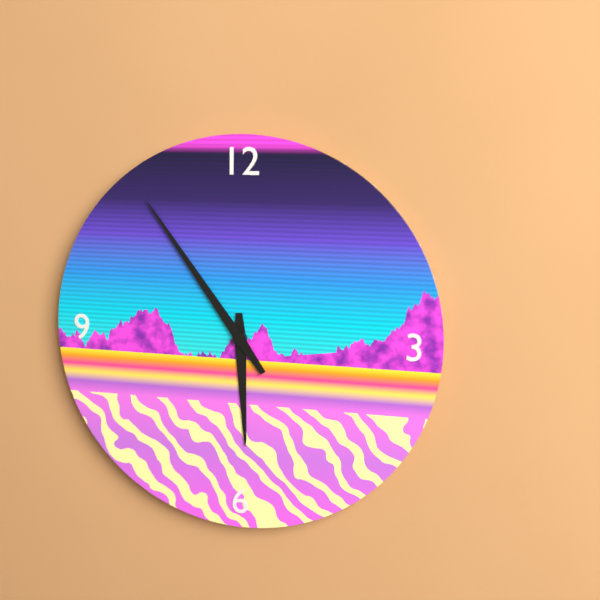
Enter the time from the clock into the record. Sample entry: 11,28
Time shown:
5,54
